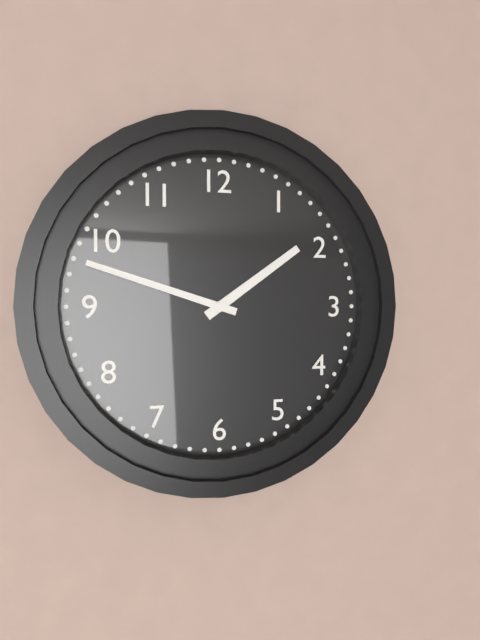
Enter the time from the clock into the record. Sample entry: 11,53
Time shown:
1,48
